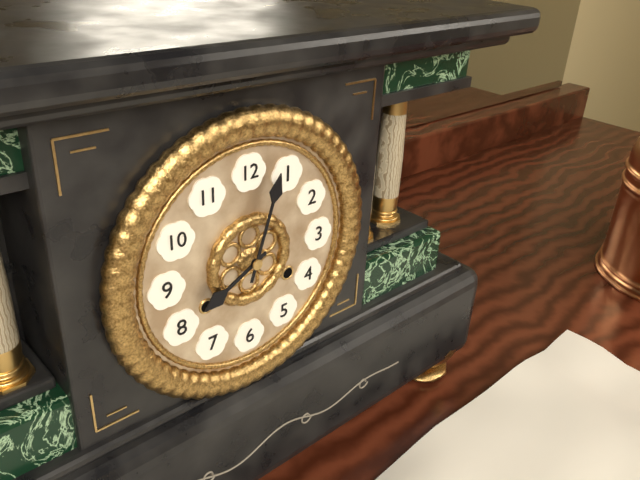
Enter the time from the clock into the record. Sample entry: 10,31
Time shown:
8,03
